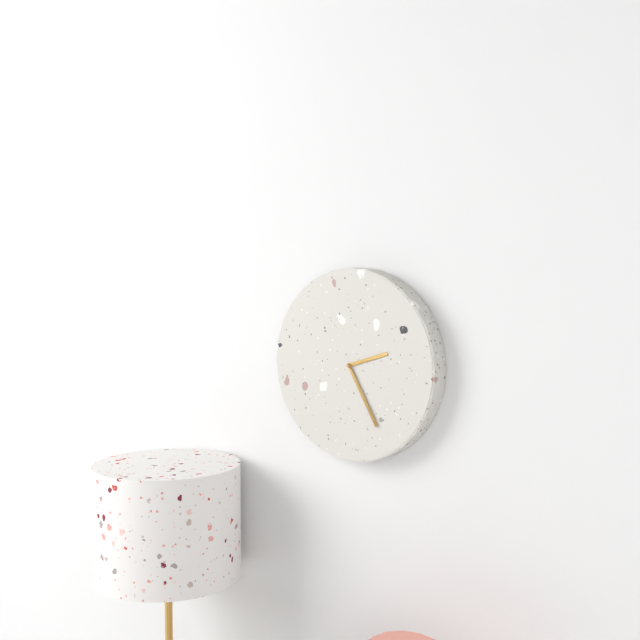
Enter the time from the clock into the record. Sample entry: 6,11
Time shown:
2,25
